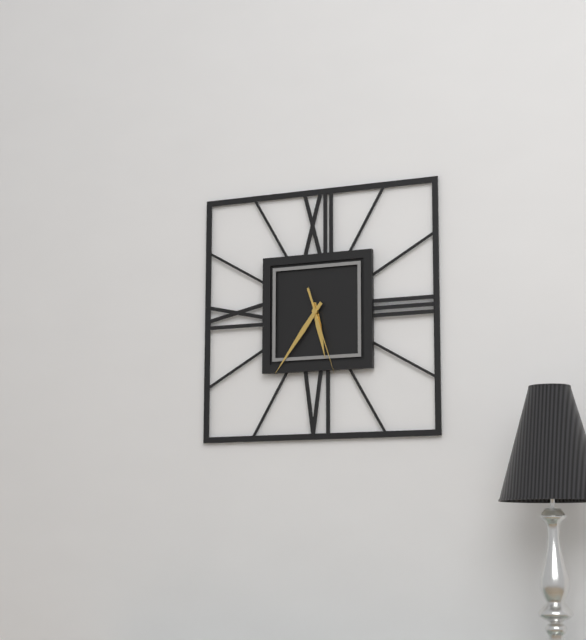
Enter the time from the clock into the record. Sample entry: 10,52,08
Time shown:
5,36,27
